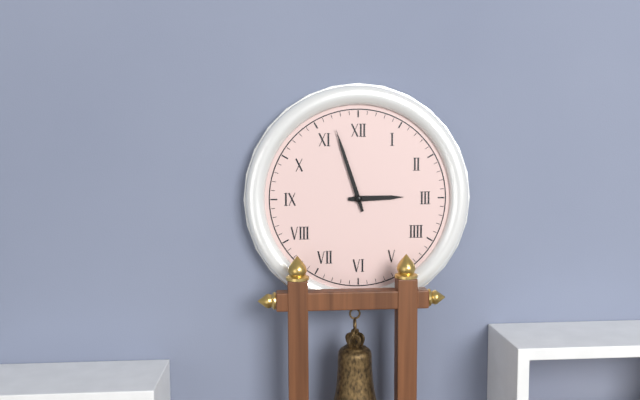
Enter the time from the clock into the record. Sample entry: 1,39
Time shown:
2,57
